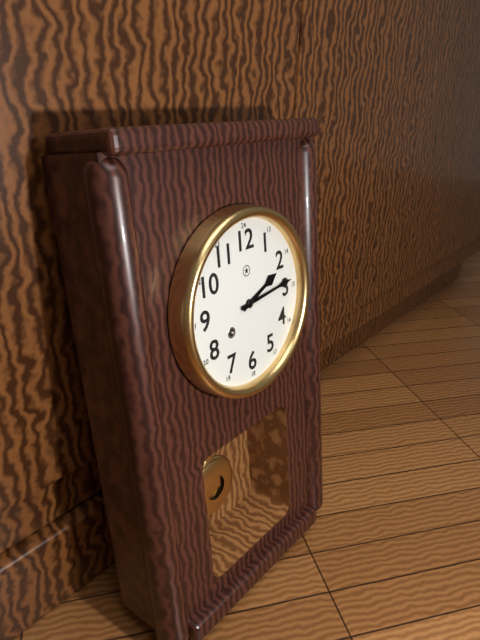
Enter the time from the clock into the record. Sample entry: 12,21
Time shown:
2,14
